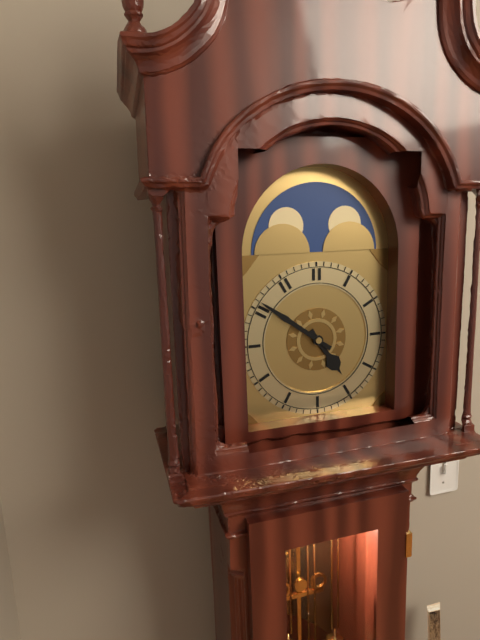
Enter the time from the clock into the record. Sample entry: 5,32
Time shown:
4,51
